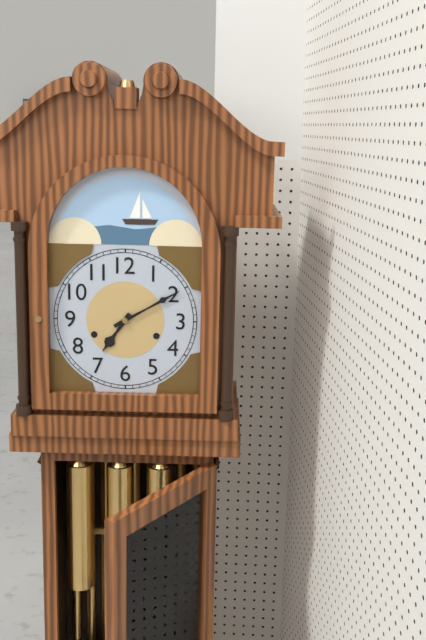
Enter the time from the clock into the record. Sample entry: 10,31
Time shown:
7,10
